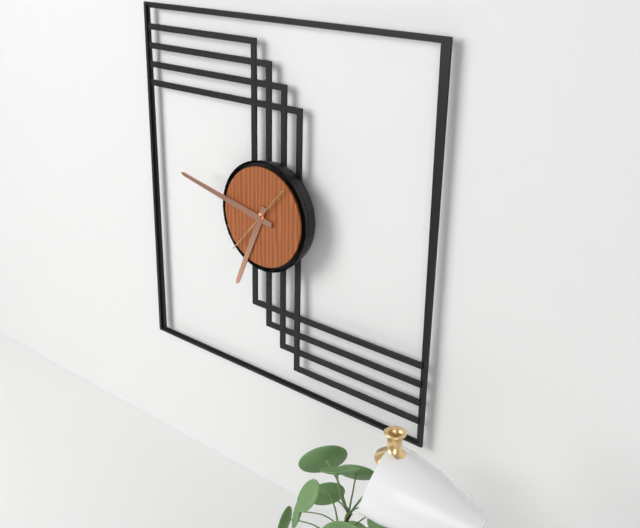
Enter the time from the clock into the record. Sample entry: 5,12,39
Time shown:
6,47,37
